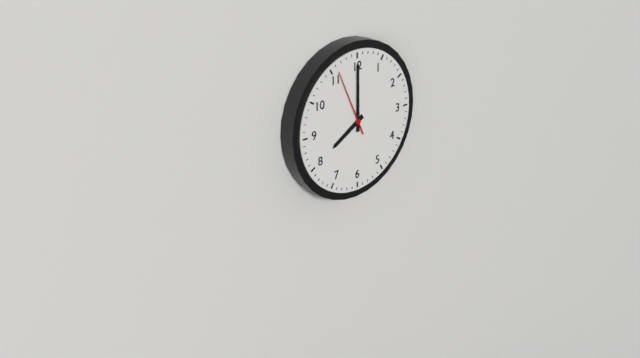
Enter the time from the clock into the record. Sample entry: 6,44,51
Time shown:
8,00,56
